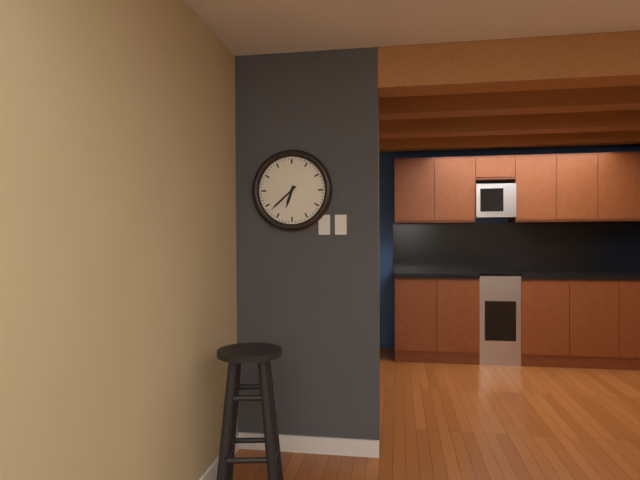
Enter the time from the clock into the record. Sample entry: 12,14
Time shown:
6,38
